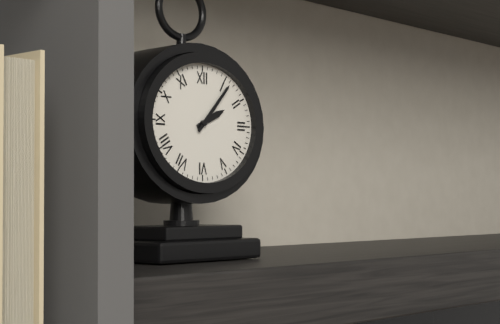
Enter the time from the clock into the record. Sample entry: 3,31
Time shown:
2,07
